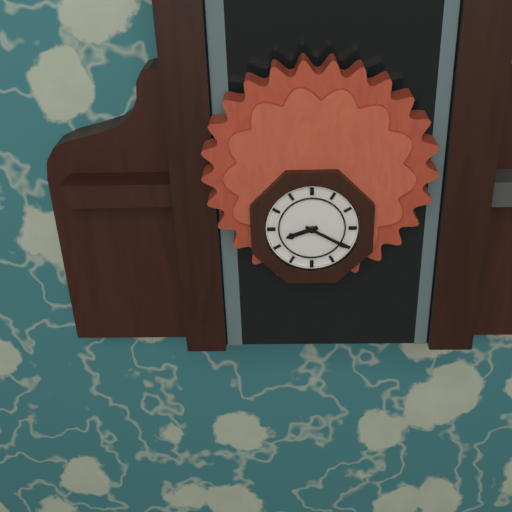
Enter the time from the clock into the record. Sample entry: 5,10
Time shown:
8,20
